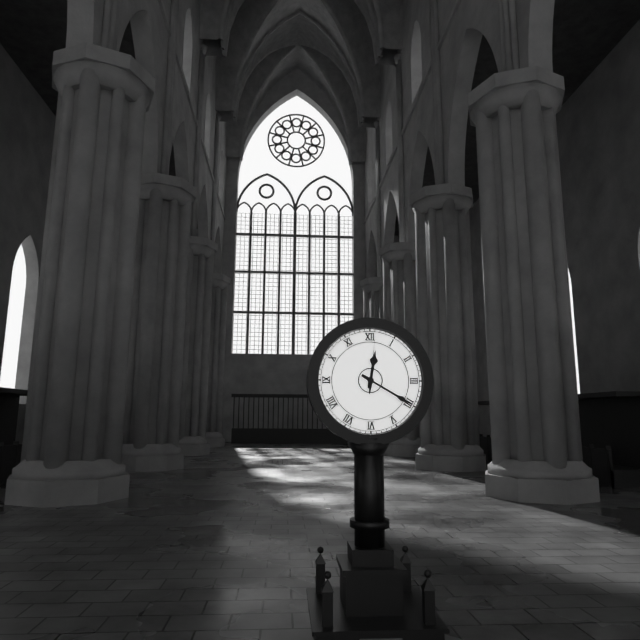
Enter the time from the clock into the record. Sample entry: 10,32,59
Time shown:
12,20,01
